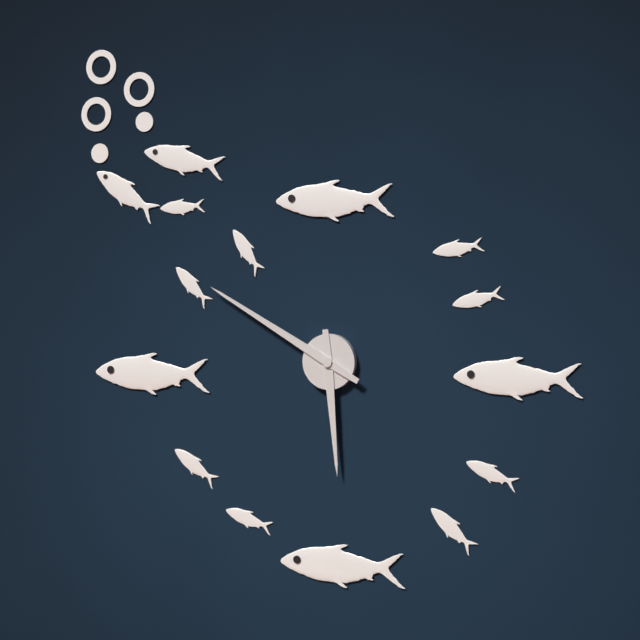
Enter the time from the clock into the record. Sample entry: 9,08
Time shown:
5,50
